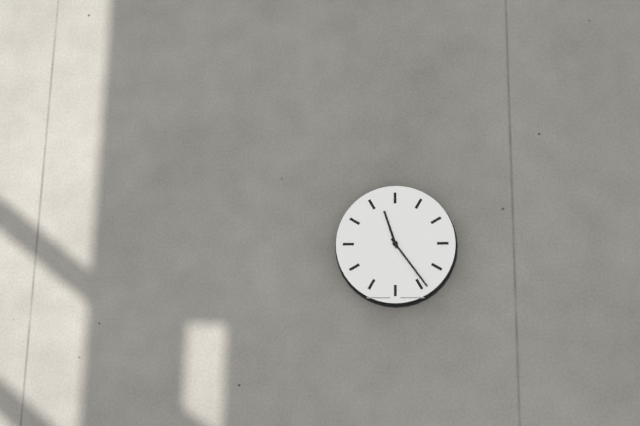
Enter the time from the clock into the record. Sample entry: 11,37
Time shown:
11,24
